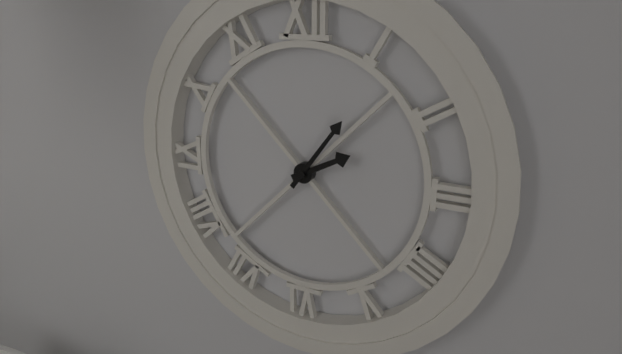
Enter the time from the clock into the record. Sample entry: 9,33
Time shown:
2,06
